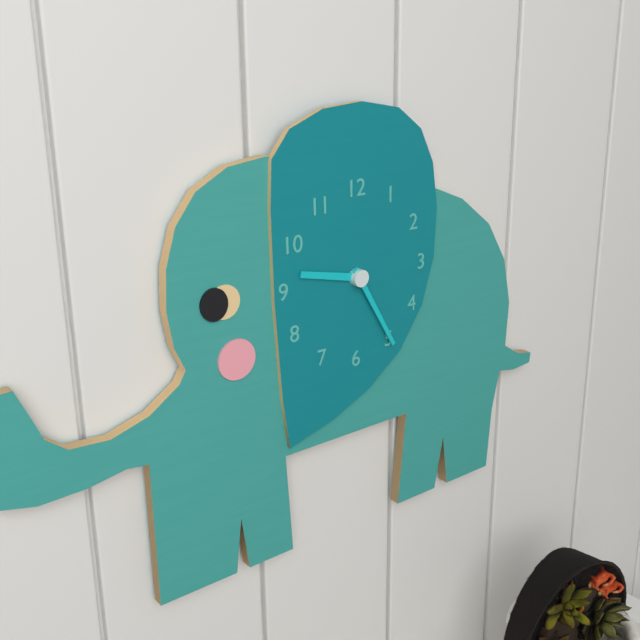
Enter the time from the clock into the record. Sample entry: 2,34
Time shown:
9,25
